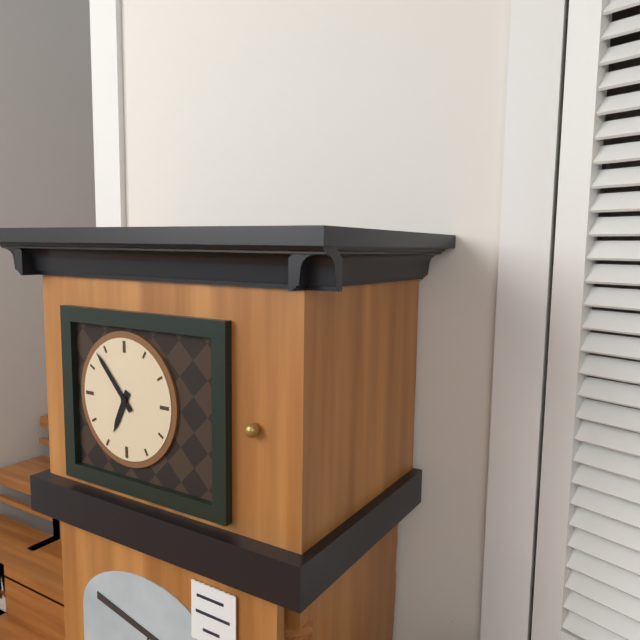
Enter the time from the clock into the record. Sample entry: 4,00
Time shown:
6,53
